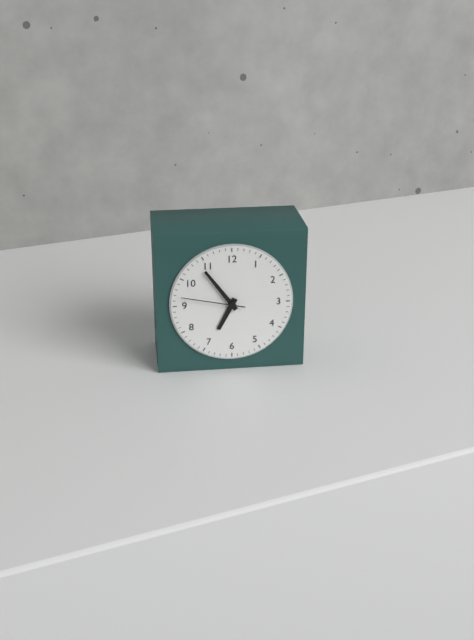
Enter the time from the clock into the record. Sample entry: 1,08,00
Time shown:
6,54,47
